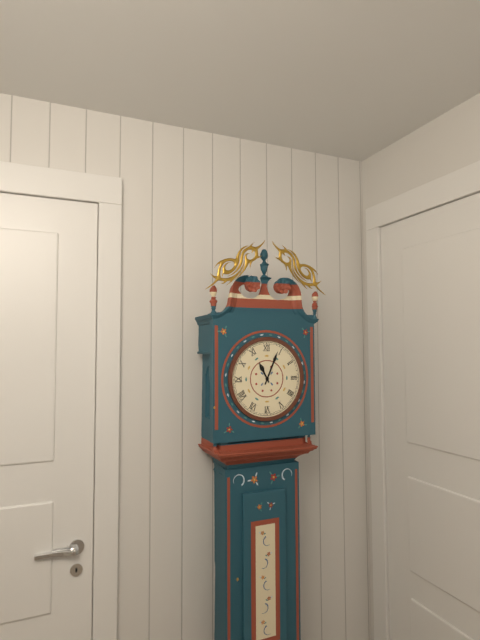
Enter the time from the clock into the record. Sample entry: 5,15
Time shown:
11,04
